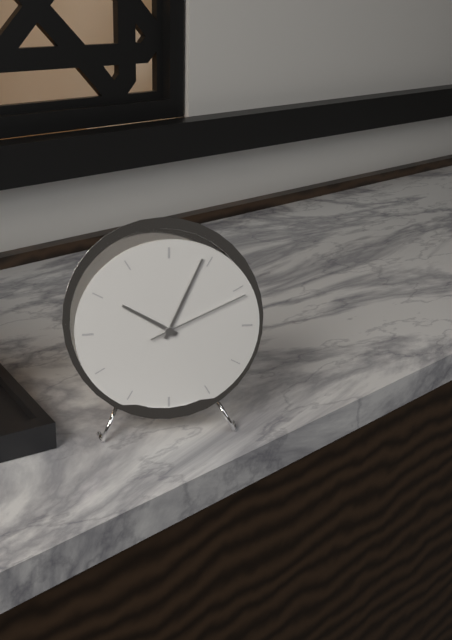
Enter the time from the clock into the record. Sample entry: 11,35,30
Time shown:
10,04,11
